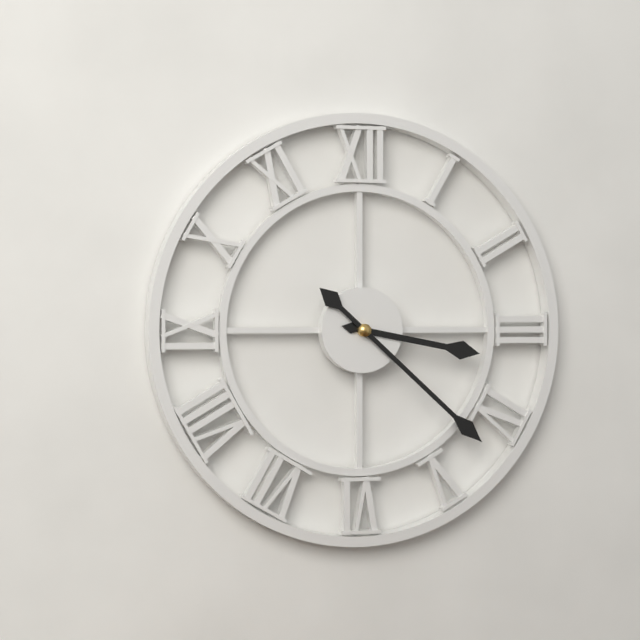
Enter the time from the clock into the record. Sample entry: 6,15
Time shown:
3,22
